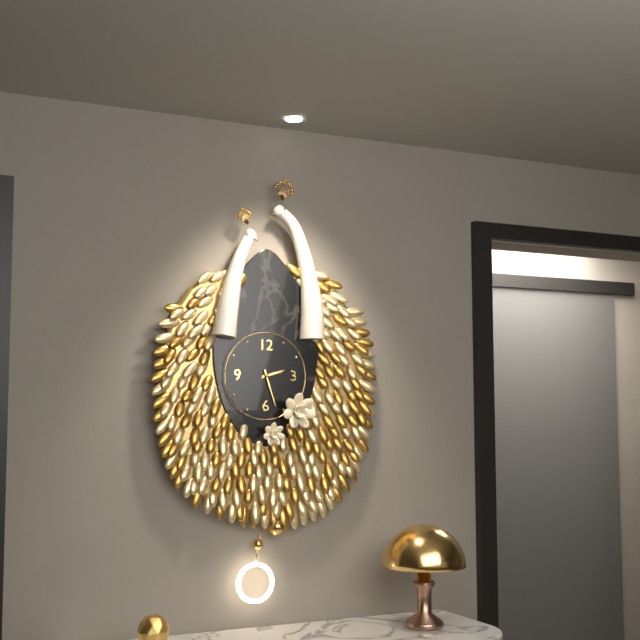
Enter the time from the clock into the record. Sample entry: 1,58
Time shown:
2,27
